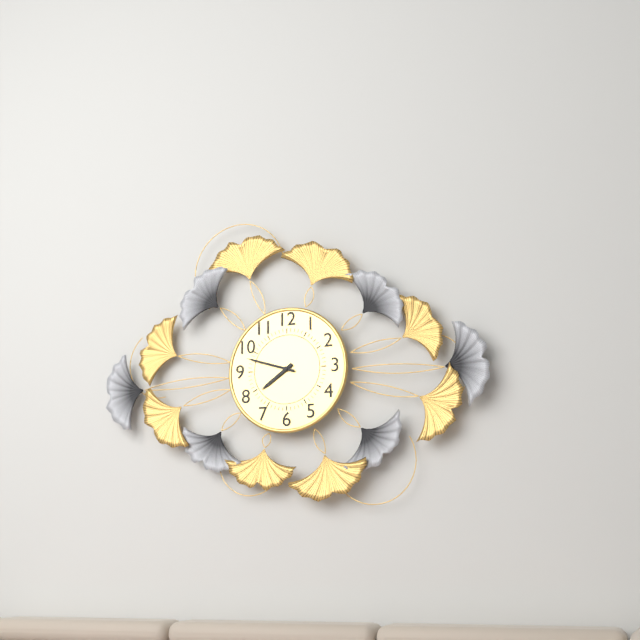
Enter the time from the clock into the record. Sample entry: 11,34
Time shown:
7,48
